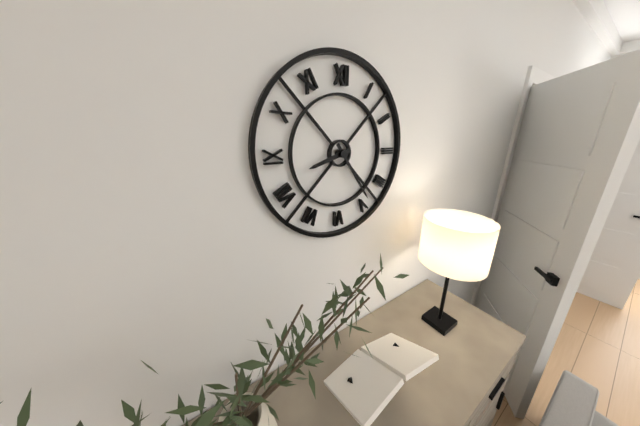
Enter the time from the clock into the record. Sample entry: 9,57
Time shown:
8,24
